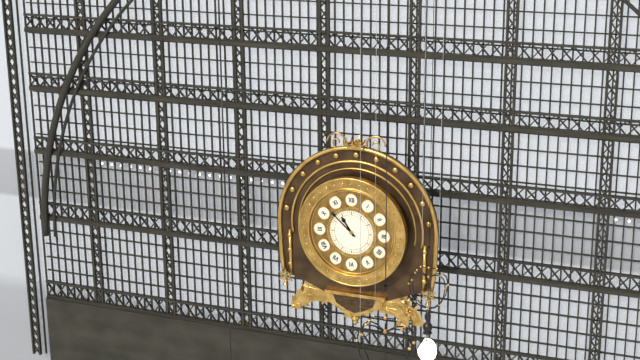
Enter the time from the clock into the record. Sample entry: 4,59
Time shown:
10,52
